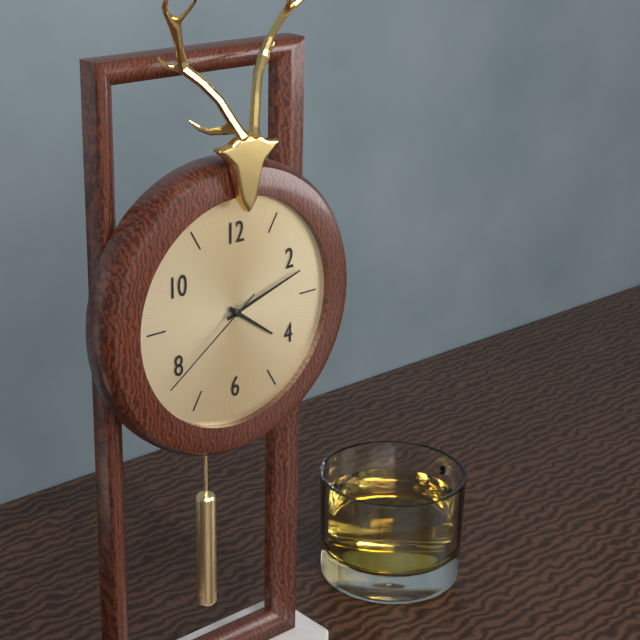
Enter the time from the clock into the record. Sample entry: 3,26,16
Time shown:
4,12,39
